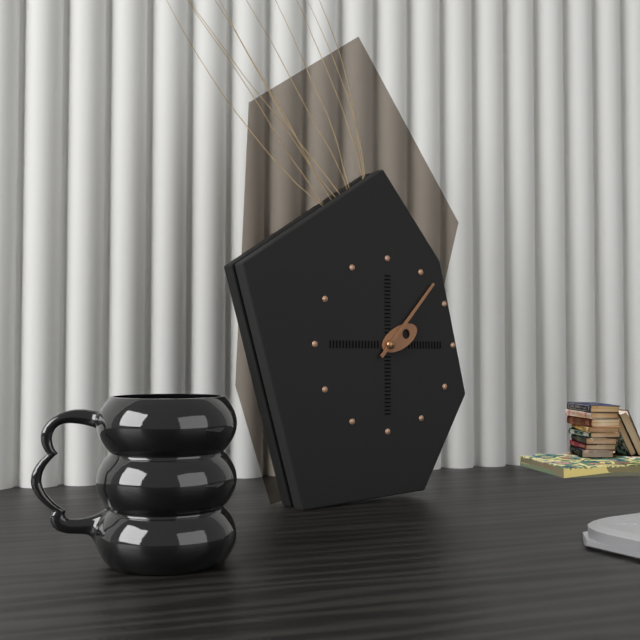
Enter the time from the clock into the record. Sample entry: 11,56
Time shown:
2,07
